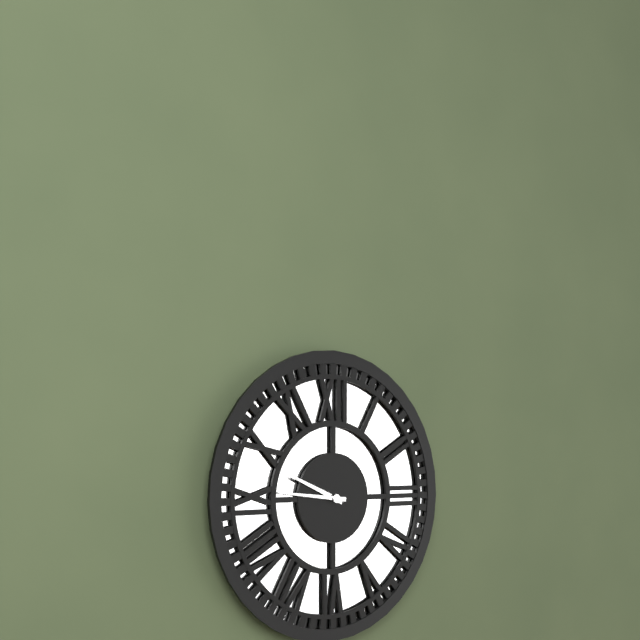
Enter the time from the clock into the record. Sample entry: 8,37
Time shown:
9,46
